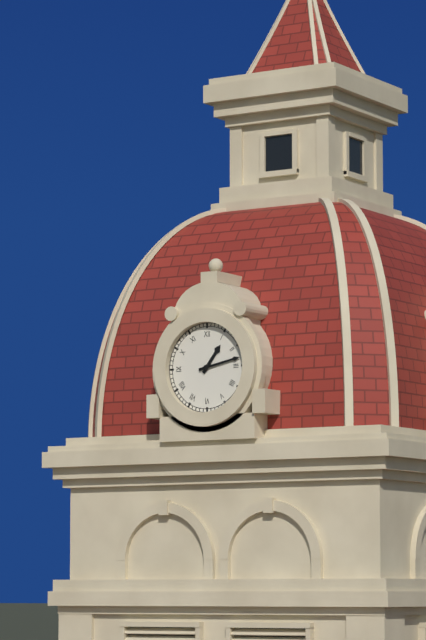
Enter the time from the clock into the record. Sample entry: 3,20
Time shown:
1,13
